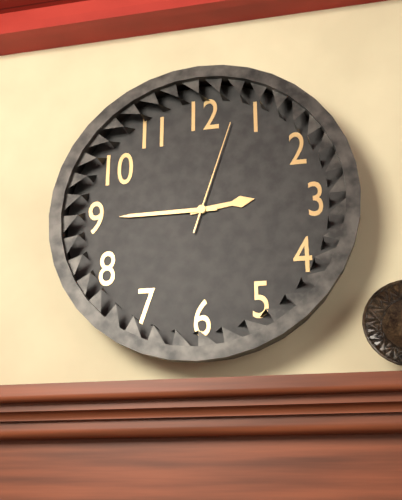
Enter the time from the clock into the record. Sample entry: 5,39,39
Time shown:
2,45,03
